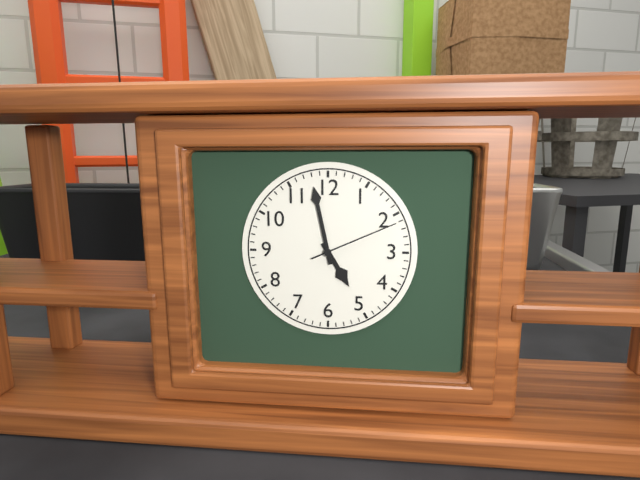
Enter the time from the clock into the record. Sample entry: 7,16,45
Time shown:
4,58,11
